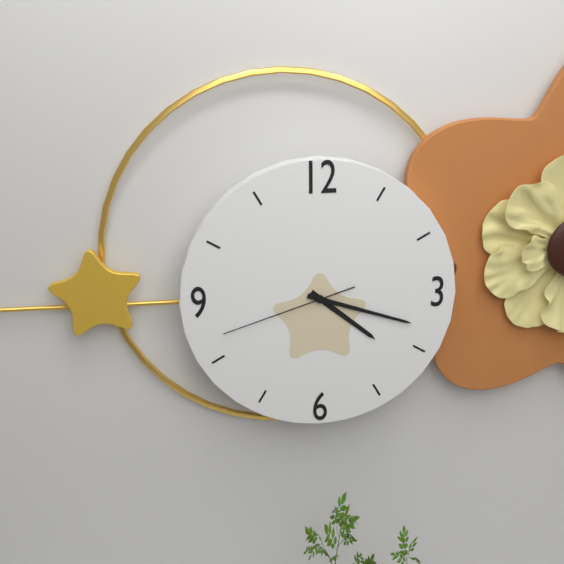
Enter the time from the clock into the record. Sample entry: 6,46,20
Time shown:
4,18,42
